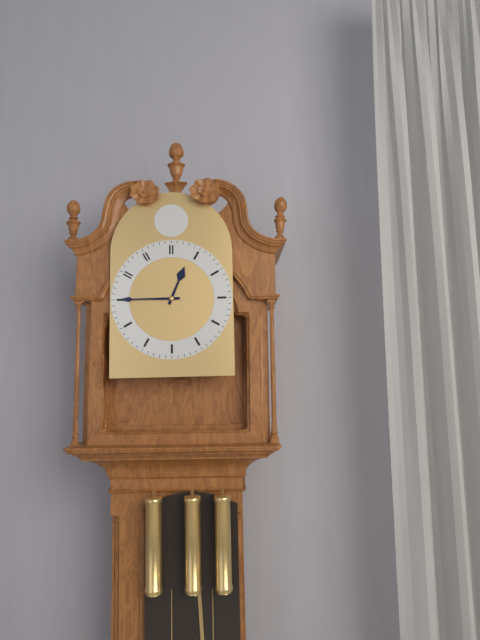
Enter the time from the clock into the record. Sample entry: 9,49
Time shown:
12,45
